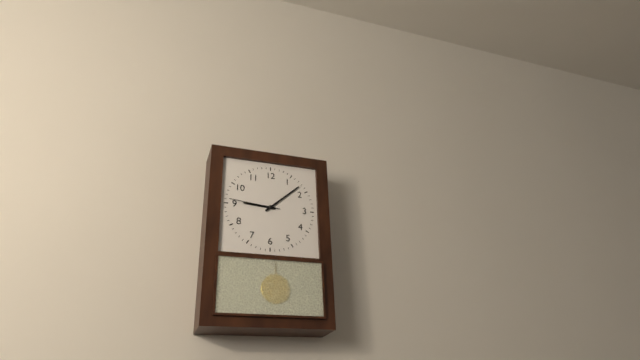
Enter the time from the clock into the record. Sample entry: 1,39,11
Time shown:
9,08,46
